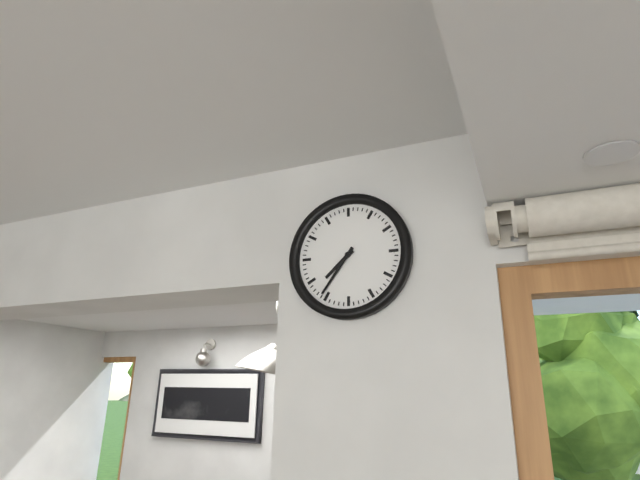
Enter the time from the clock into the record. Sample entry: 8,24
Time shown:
7,36
